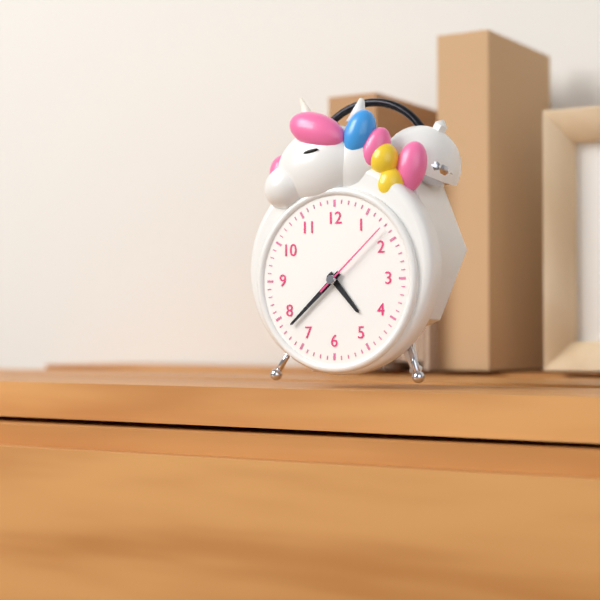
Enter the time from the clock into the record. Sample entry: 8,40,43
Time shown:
4,38,08
